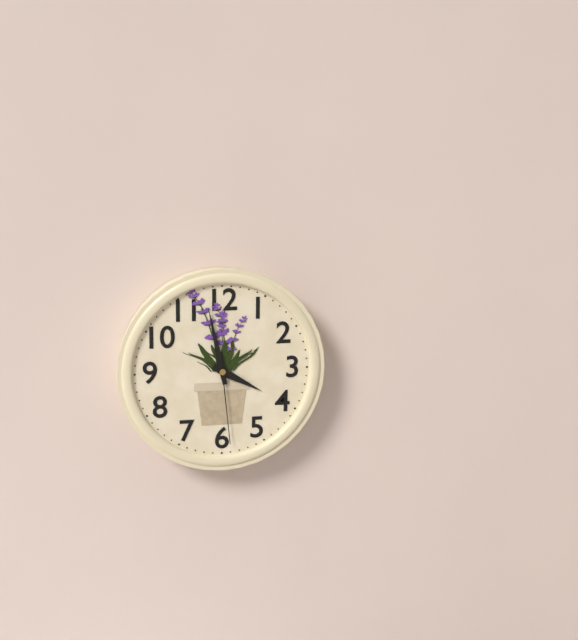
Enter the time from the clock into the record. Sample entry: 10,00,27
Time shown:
3,58,29
